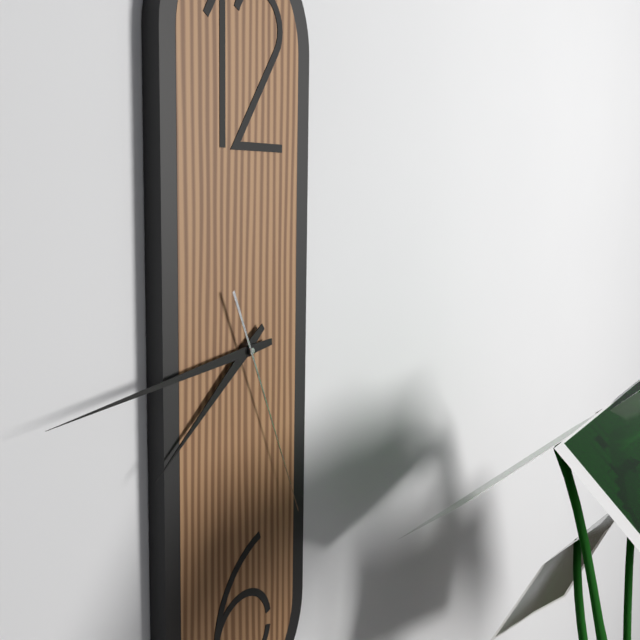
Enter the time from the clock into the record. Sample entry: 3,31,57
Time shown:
7,44,26
